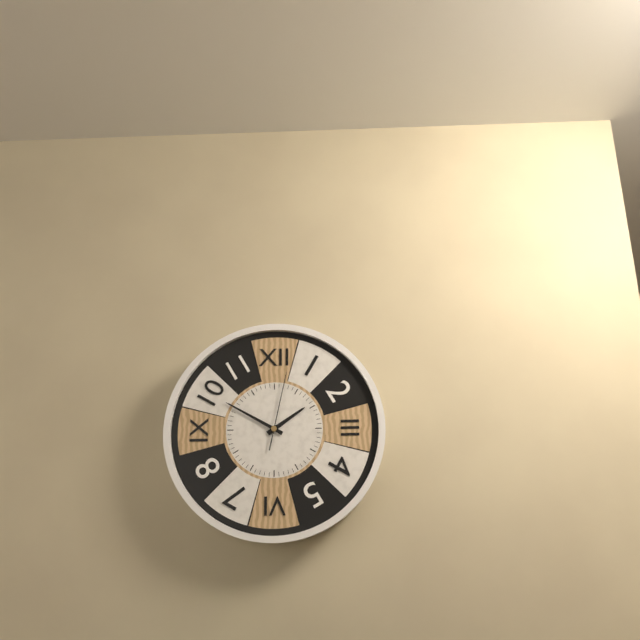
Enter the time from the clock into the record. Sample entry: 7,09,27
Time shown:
1,50,02
